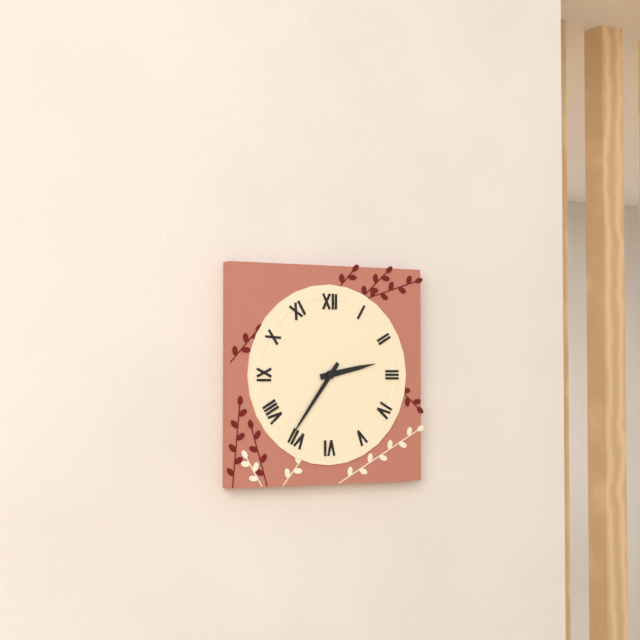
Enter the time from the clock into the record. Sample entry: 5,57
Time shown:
2,36
